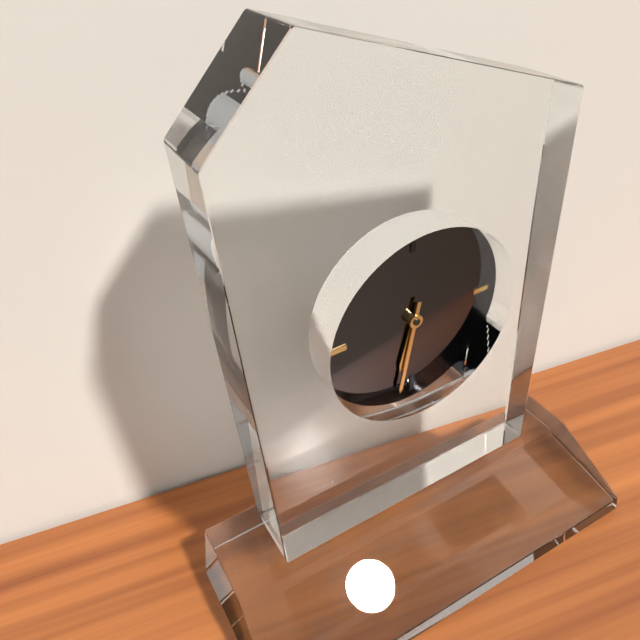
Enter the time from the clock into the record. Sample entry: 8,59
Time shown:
6,32
